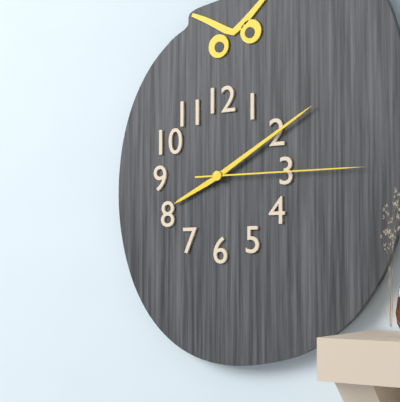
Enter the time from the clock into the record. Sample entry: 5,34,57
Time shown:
8,10,15
